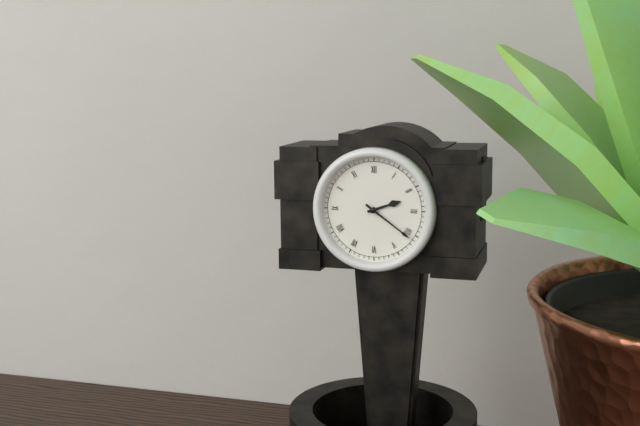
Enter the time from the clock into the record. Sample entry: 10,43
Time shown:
2,21
